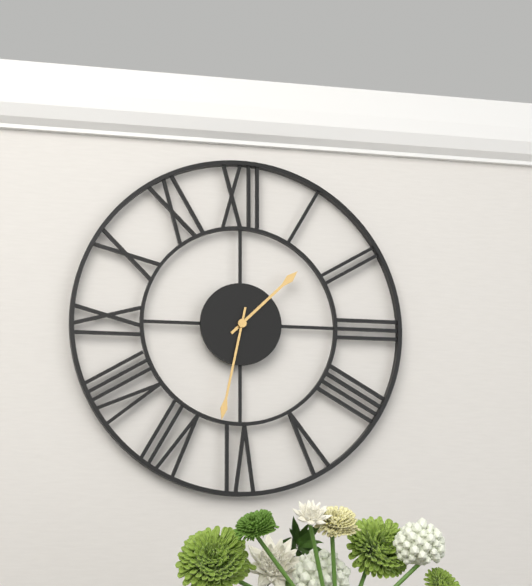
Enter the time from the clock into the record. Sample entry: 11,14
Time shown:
1,32
